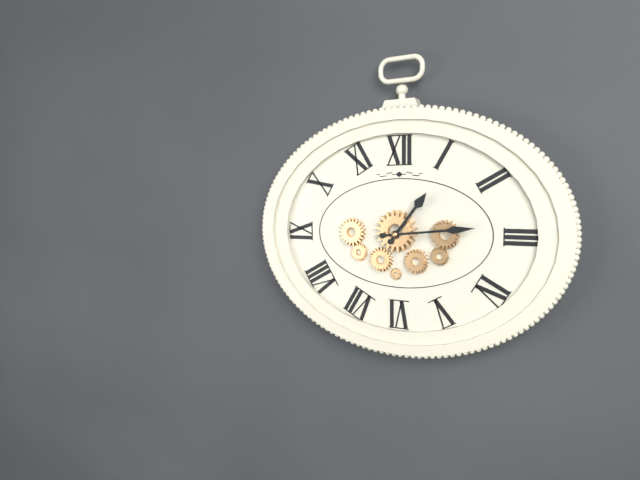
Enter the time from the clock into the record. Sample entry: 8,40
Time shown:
1,14
